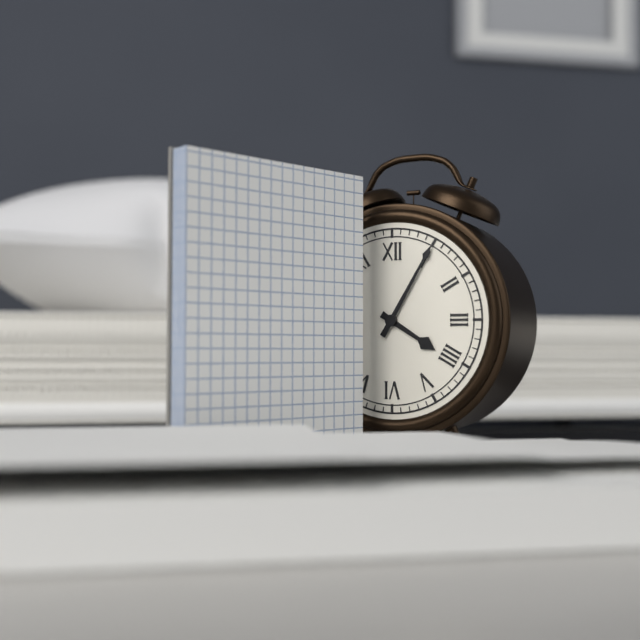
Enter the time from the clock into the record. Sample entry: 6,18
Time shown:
4,05
